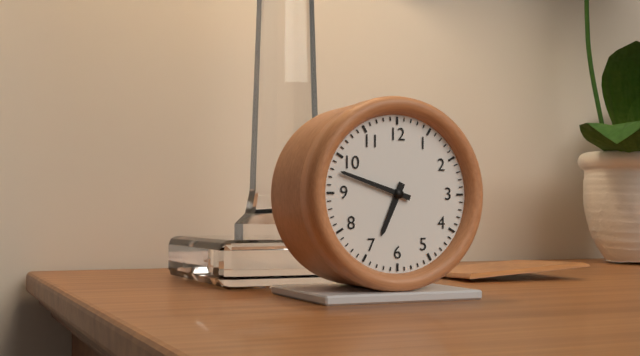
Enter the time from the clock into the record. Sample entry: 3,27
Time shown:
6,48
